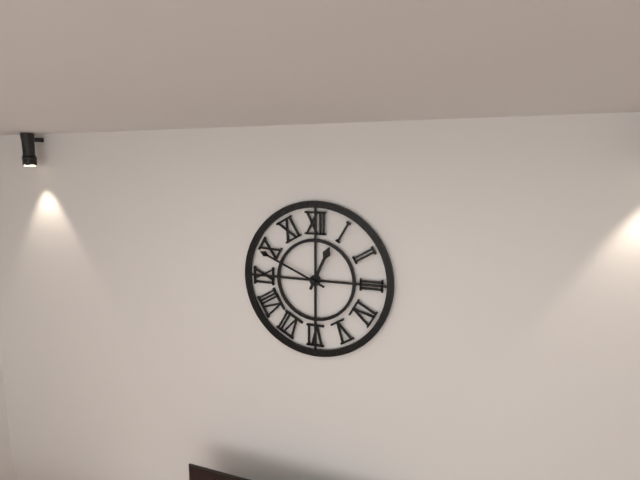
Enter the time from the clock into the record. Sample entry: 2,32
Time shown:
12,49
